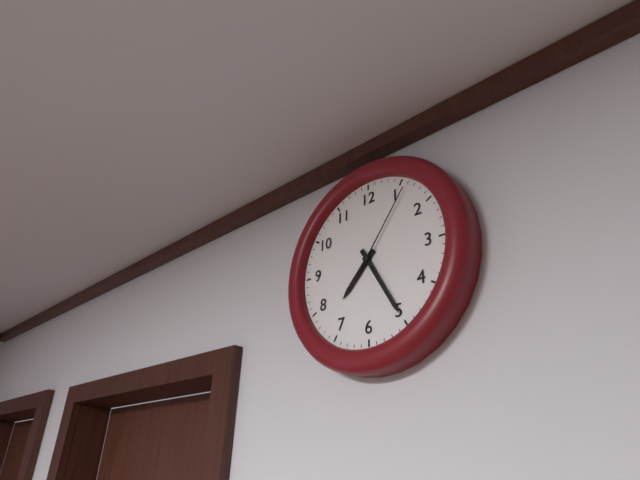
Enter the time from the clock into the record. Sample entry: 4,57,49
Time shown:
7,25,06
